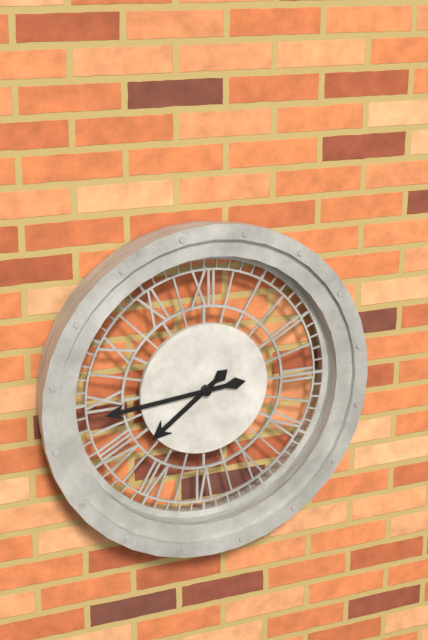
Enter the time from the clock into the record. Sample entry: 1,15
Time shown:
7,44
